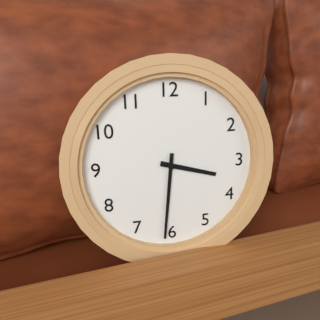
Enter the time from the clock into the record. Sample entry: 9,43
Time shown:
3,31
